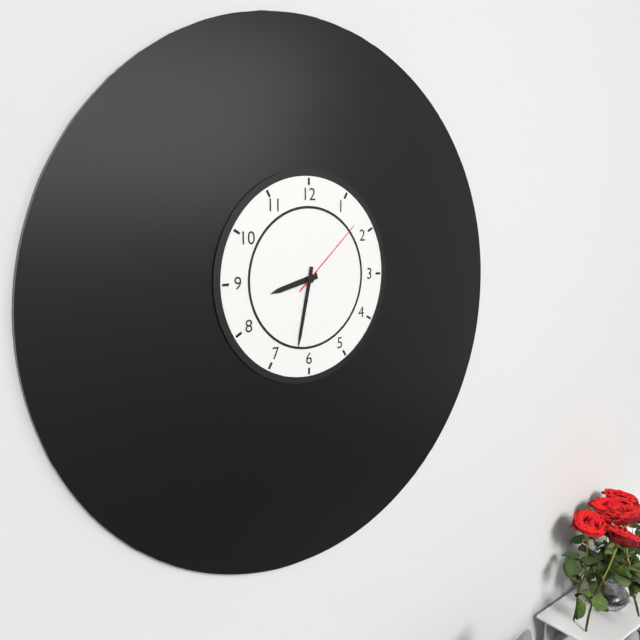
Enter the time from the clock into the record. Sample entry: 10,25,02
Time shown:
8,32,08
